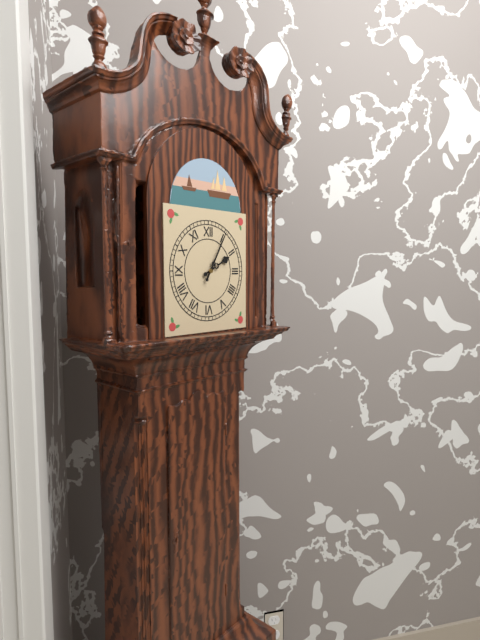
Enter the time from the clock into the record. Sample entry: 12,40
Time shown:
2,05
